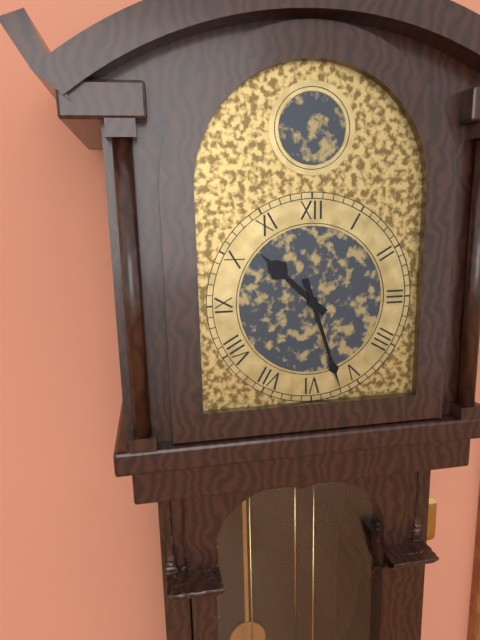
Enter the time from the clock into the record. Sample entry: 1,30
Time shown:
10,27
